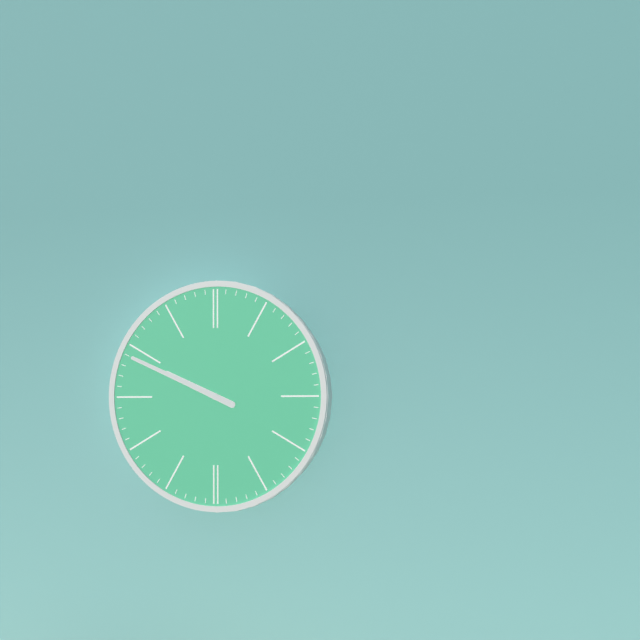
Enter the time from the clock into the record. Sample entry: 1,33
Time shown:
9,49
